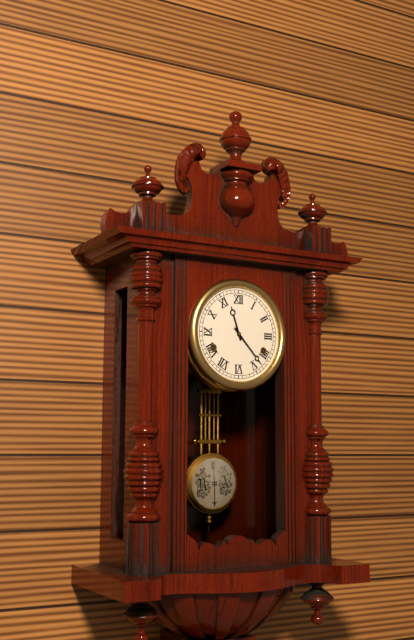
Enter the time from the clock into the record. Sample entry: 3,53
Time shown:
11,23
